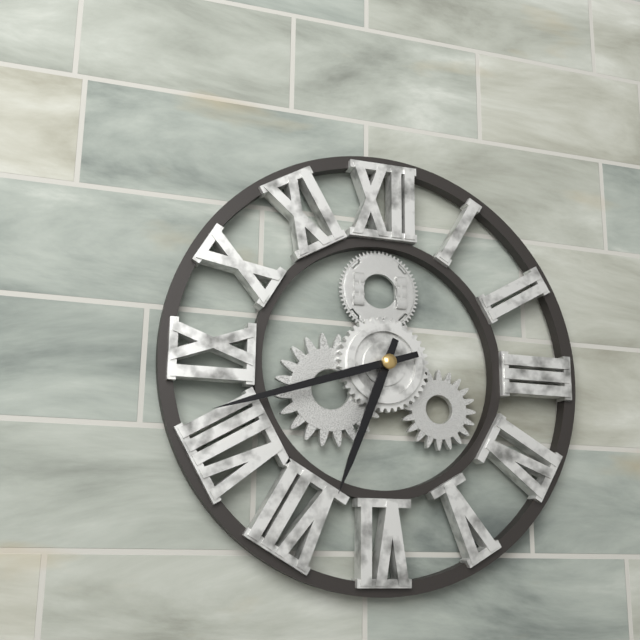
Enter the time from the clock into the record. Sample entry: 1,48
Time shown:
6,42
